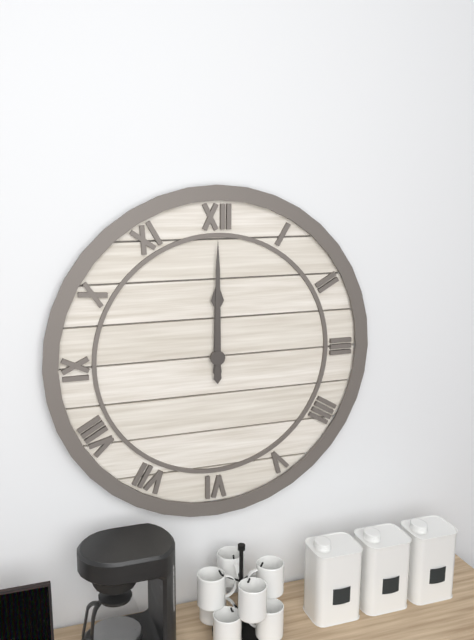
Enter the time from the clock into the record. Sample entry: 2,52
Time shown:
12,00
